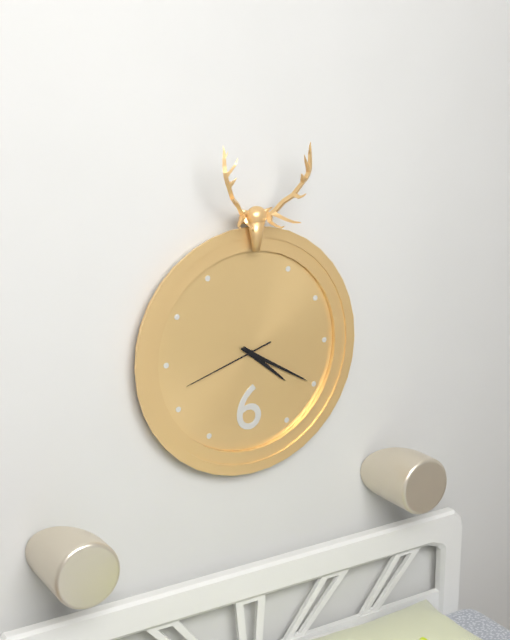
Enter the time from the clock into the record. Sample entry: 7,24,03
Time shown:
4,20,42
